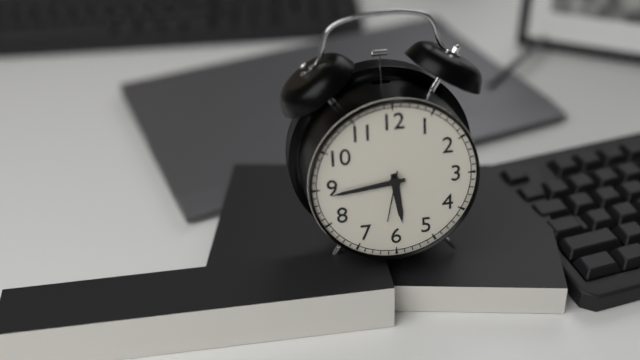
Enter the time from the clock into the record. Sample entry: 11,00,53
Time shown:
5,44,32
